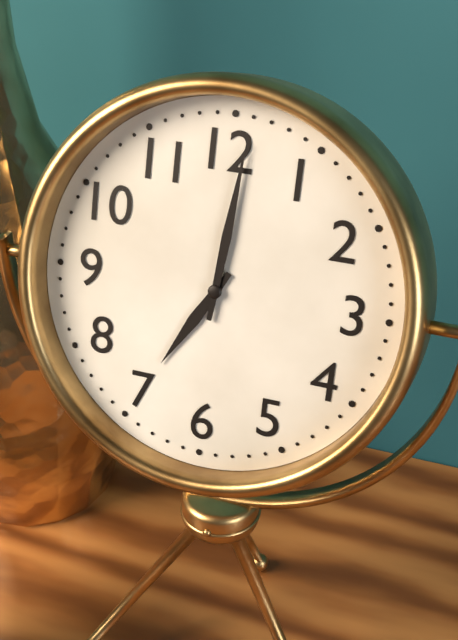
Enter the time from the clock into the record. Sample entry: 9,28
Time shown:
7,01
